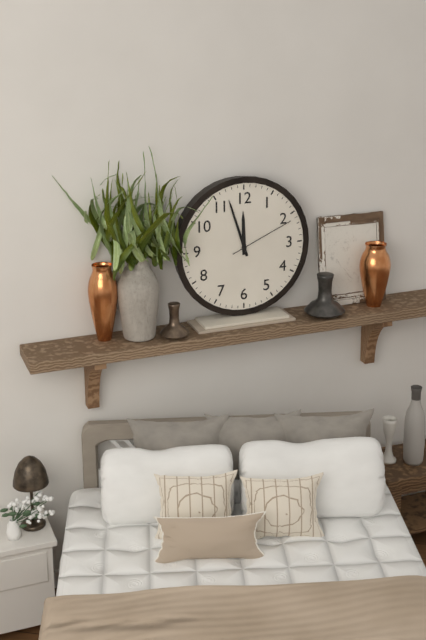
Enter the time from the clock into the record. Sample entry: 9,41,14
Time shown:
11,57,11
